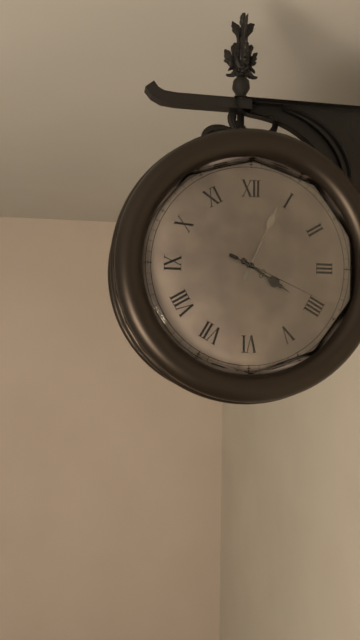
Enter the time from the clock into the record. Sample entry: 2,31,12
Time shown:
4,04,19
